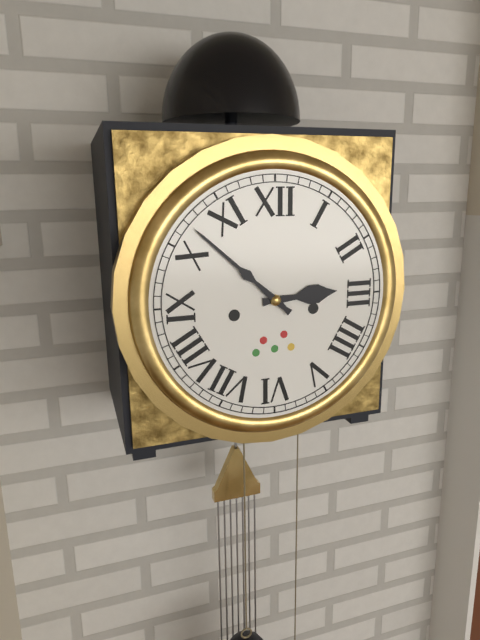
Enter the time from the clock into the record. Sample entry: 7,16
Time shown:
2,52
